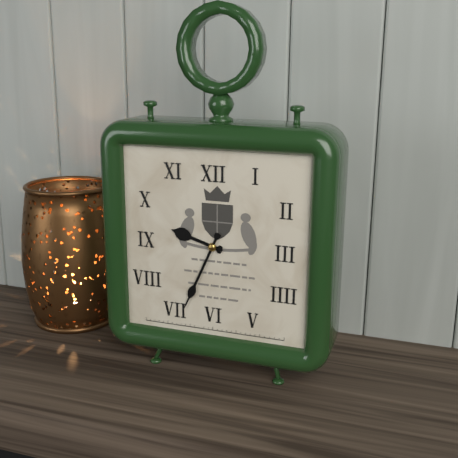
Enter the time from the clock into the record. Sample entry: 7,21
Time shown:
9,34
